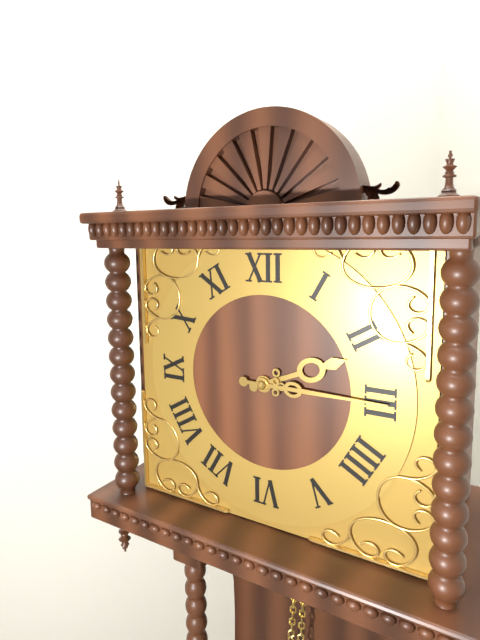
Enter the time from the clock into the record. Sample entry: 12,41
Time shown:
2,15
